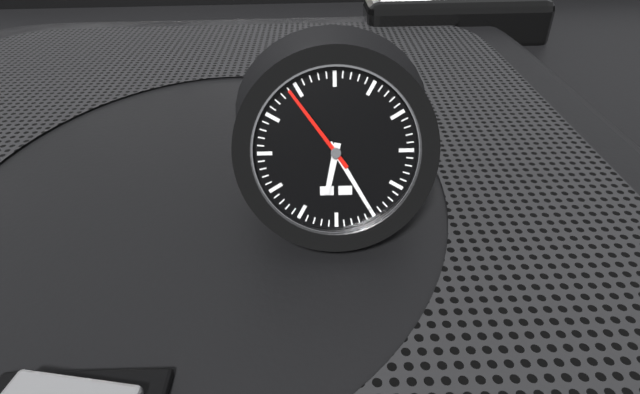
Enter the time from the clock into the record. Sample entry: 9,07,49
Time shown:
6,25,54
